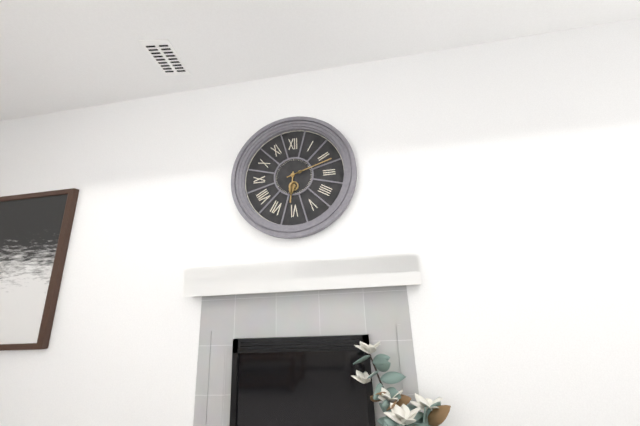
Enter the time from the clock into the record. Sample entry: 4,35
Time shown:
6,12
